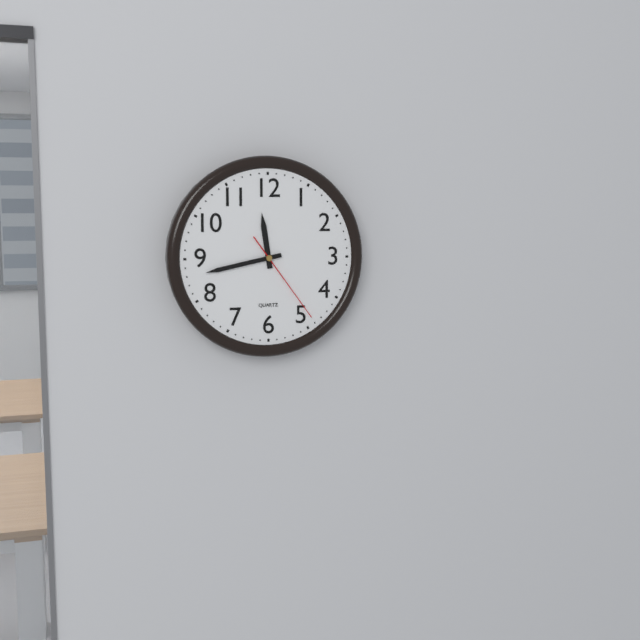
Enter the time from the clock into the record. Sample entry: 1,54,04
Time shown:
11,43,24
